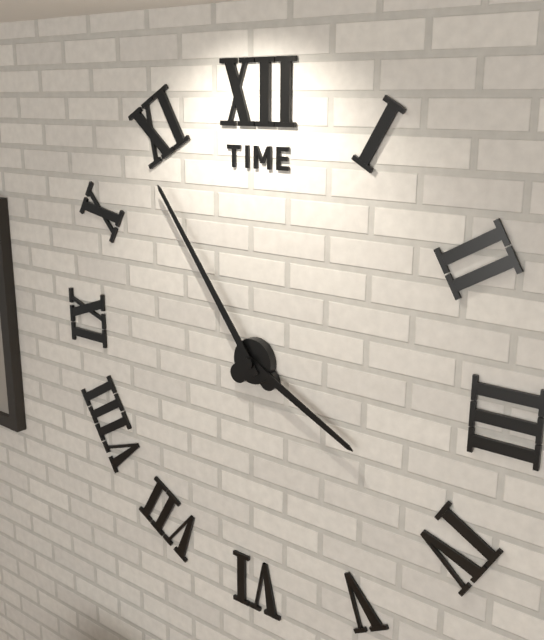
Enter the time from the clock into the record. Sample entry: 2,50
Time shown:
3,54
